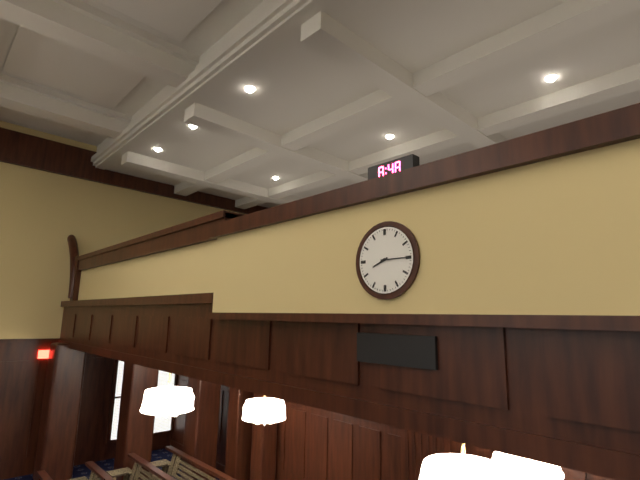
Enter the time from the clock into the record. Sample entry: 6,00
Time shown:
8,15
